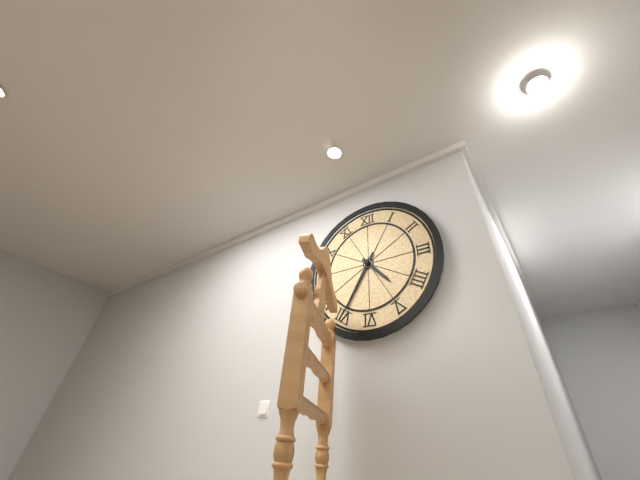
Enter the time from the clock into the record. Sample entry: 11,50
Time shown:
4,35
